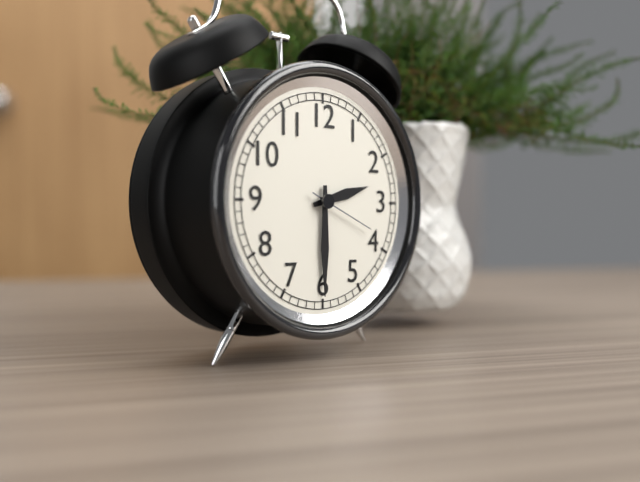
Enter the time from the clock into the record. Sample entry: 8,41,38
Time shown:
2,30,19
